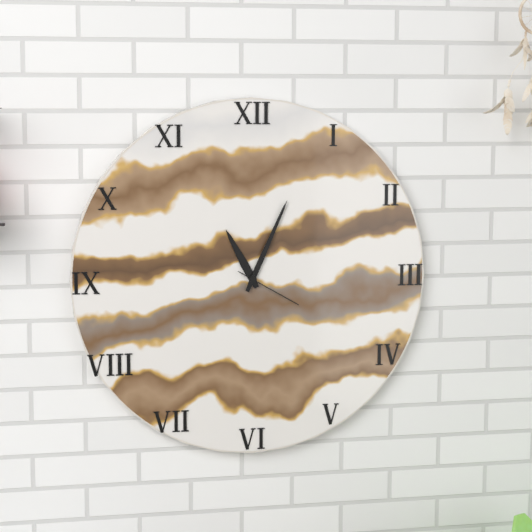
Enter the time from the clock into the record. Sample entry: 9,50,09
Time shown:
11,04,20
